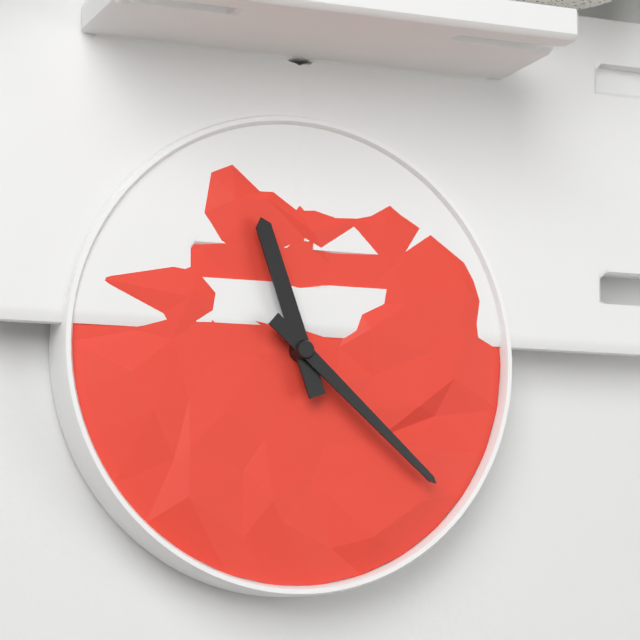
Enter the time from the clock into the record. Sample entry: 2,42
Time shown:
11,22
